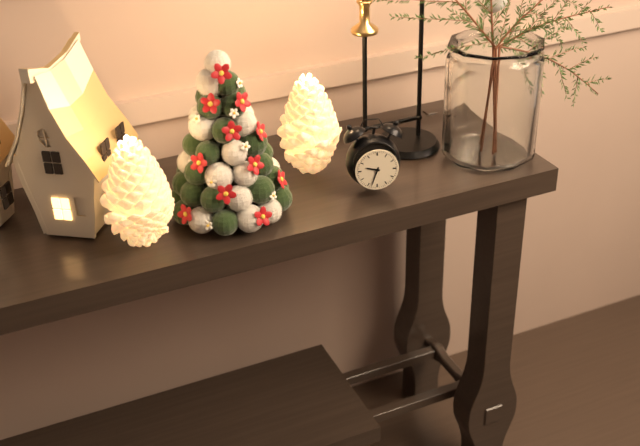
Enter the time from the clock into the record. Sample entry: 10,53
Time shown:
9,33
